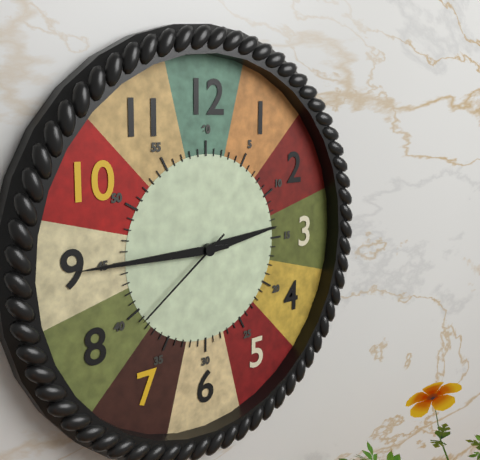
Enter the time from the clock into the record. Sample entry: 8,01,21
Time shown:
2,45,39
